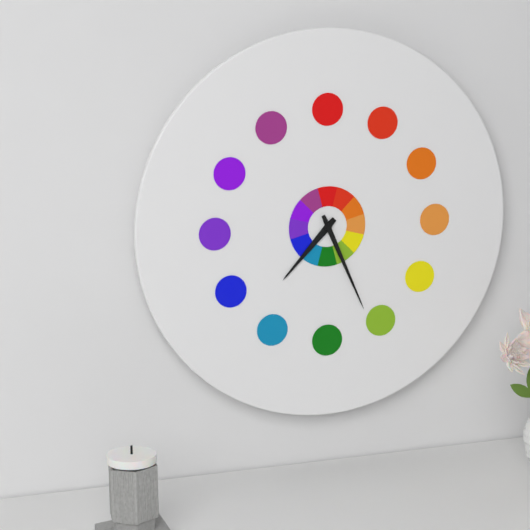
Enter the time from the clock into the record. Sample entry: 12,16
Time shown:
7,26
